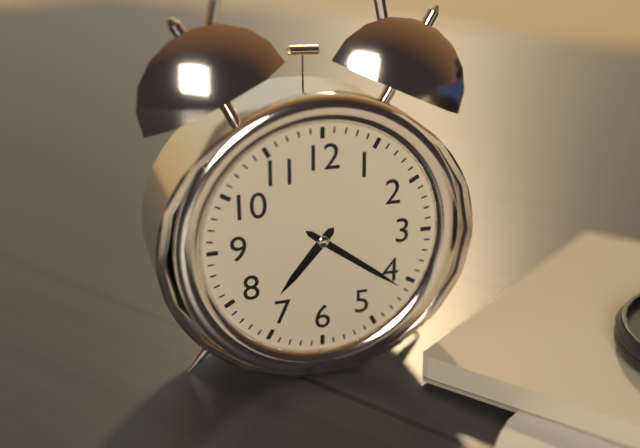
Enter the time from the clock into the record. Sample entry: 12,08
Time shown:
7,21
